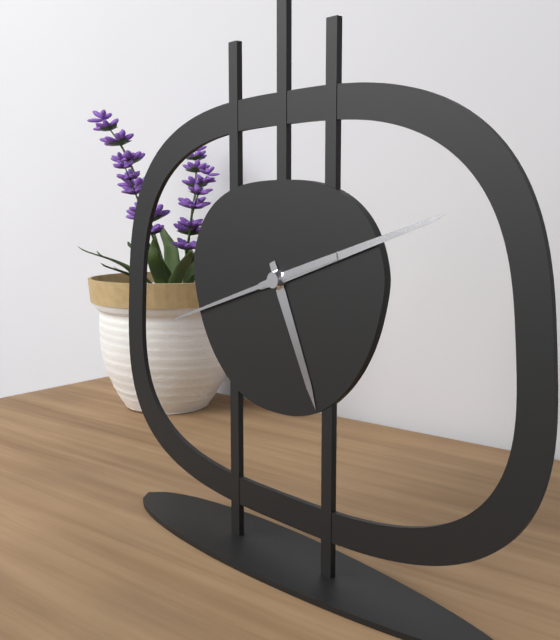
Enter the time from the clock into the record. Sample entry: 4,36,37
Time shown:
5,12,42
